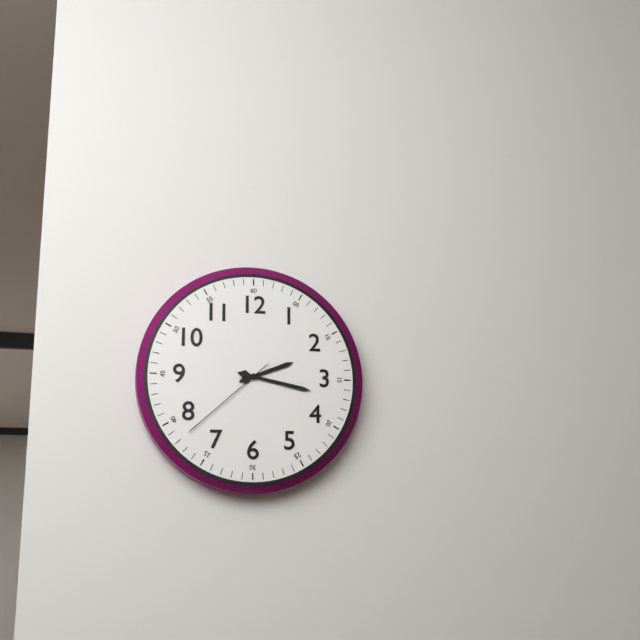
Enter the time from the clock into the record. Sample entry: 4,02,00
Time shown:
2,17,38
